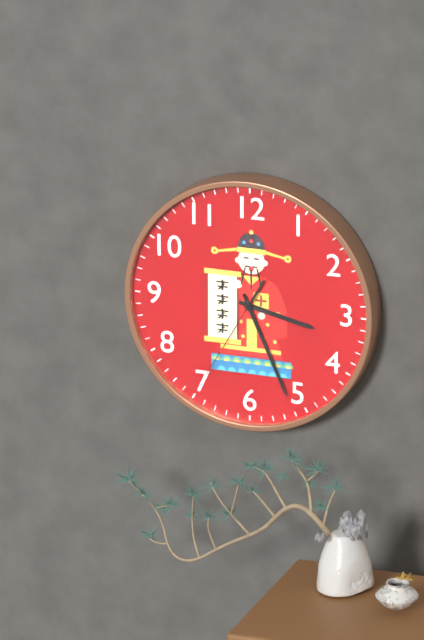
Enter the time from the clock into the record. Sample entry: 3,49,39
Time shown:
3,26,35
